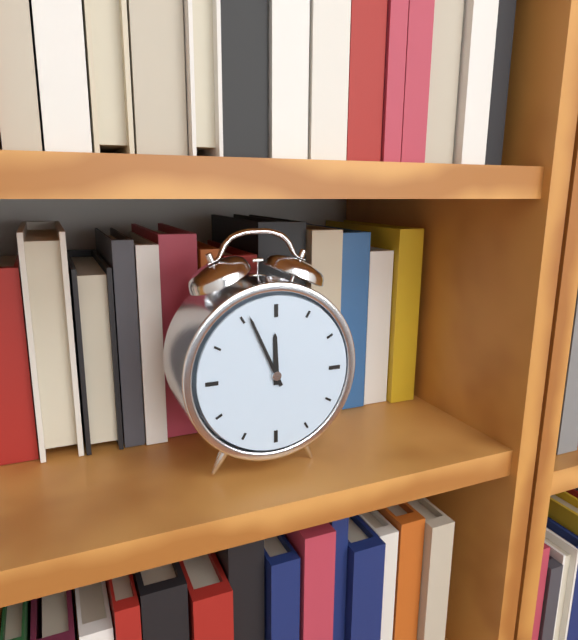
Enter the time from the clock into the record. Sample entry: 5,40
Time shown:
11,56
